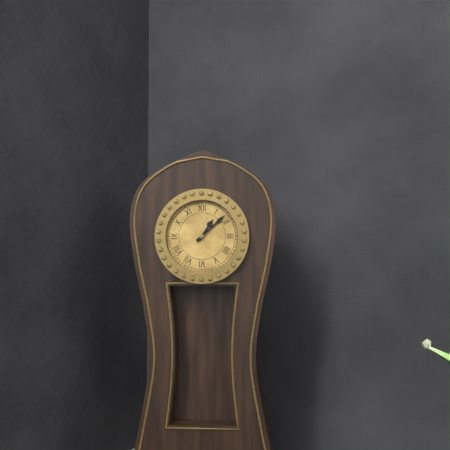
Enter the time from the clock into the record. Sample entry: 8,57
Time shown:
1,08
